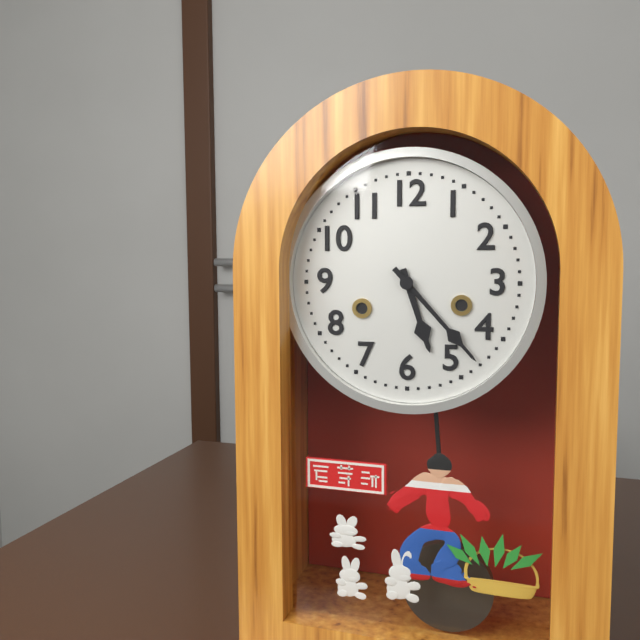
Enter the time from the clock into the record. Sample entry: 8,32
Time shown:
5,23
